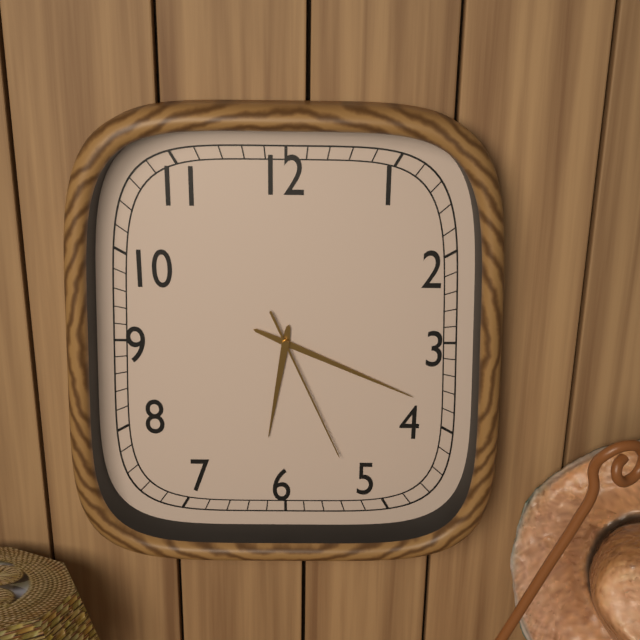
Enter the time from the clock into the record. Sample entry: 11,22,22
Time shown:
6,19,26
